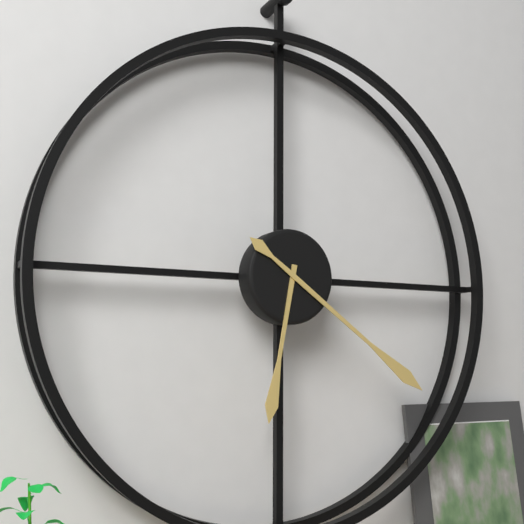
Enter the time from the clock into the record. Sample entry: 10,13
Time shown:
6,21
